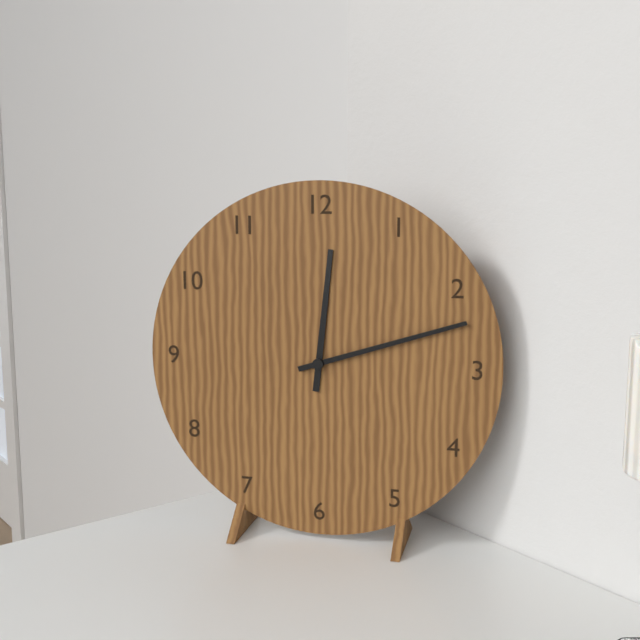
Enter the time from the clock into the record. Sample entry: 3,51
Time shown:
12,12
